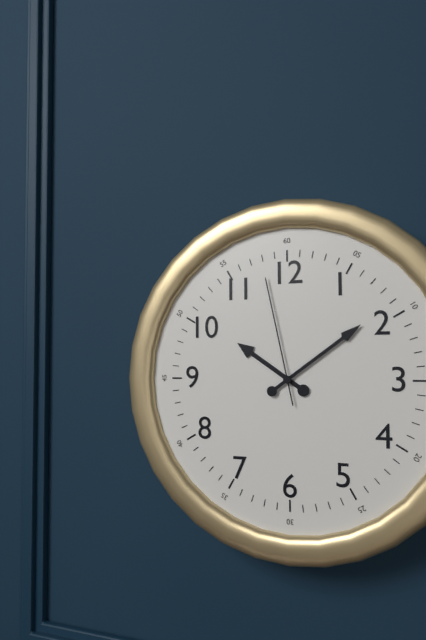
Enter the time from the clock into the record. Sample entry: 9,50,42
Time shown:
10,09,58
